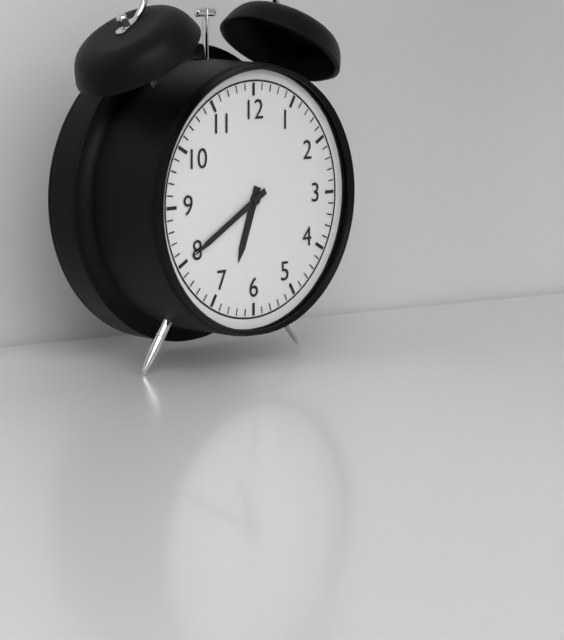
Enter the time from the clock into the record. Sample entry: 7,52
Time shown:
6,40
